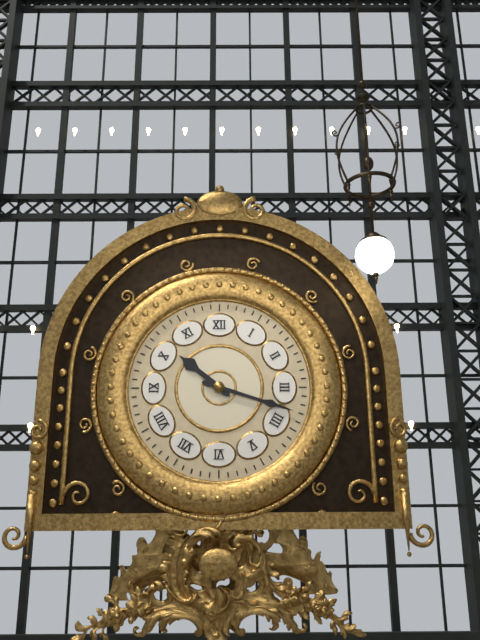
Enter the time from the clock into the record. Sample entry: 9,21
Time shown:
10,18
